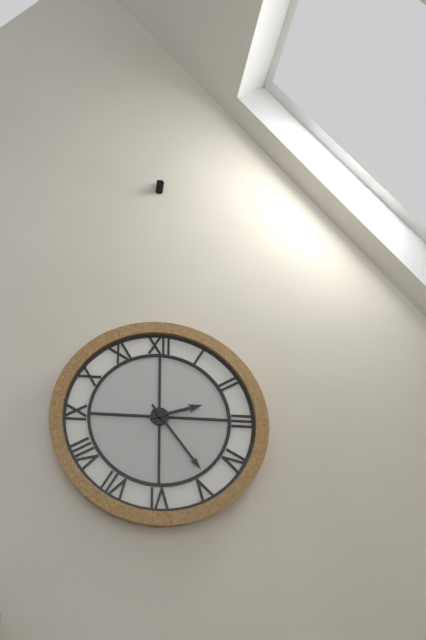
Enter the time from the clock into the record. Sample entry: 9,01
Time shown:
2,24
